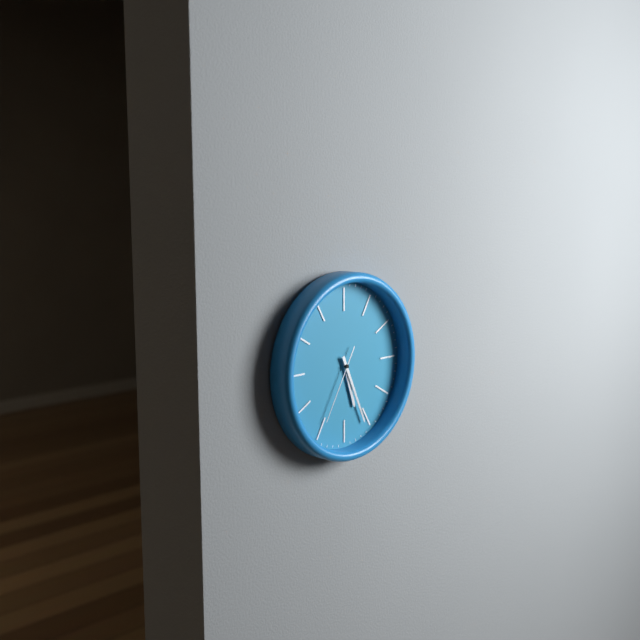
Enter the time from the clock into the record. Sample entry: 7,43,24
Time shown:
5,26,35
